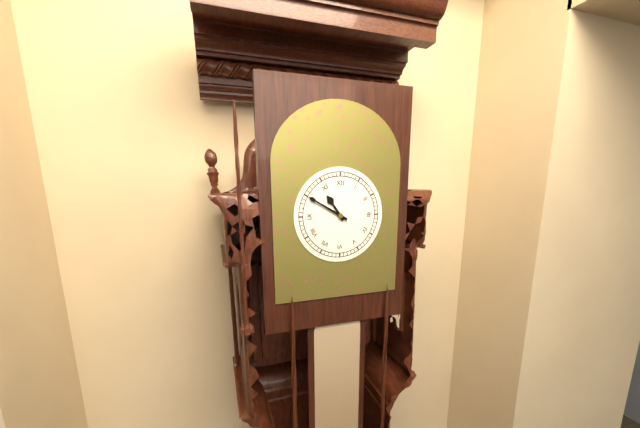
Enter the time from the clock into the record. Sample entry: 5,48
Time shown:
10,50
